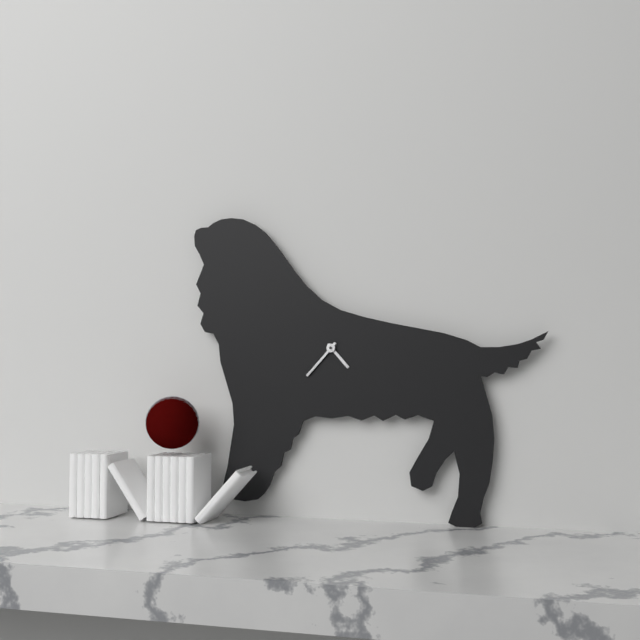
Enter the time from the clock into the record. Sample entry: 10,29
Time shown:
4,37
